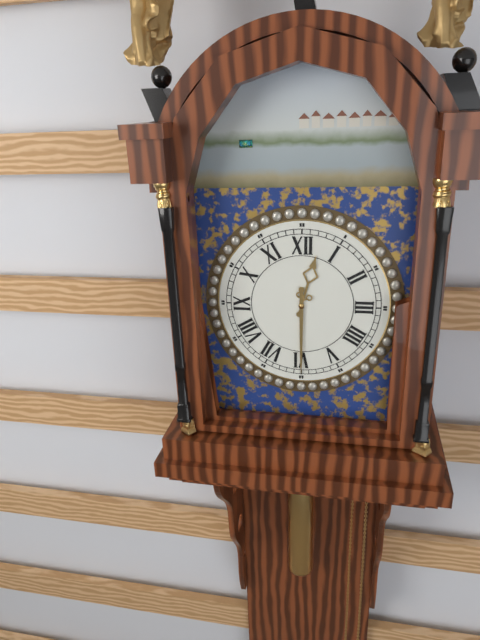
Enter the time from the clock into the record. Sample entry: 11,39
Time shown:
12,30
